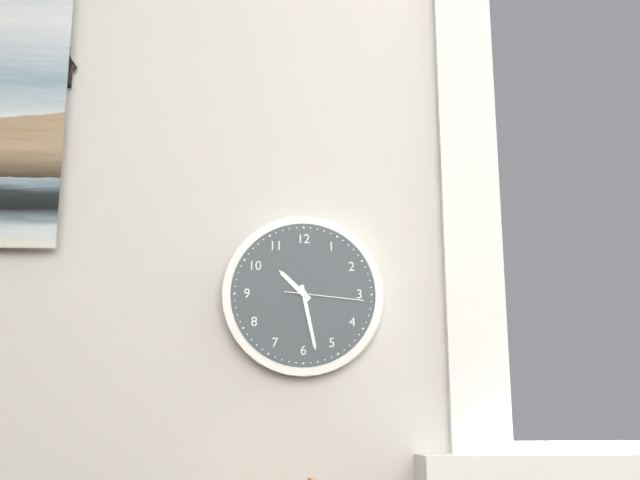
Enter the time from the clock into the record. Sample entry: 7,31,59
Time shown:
10,28,16
